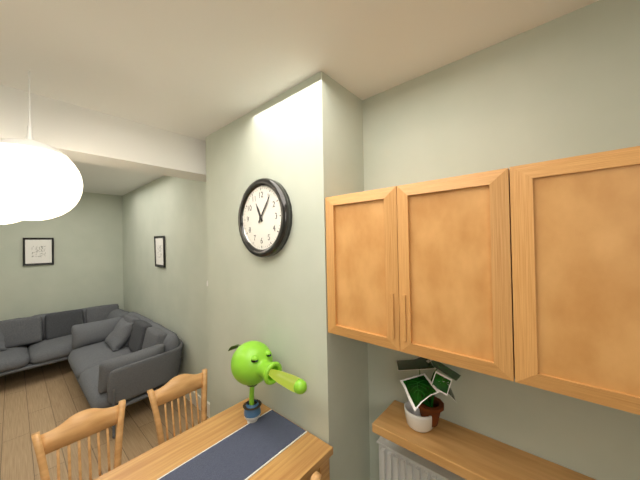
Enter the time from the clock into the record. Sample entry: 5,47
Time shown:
11,06
